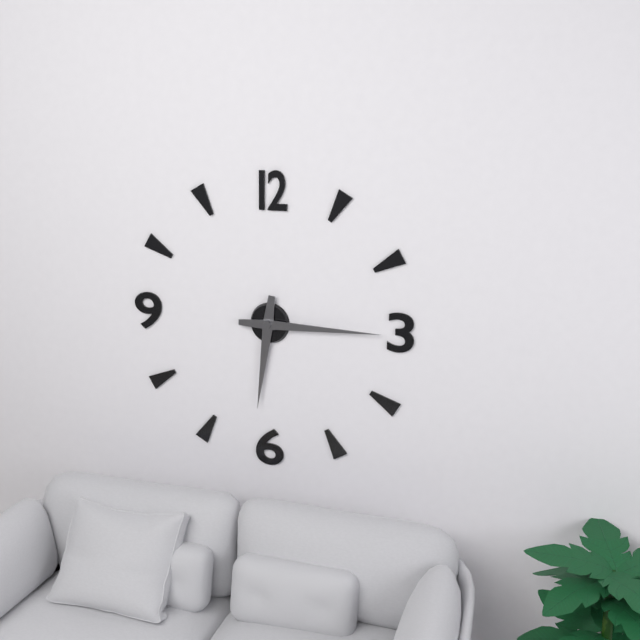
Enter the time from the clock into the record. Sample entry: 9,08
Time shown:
6,15
